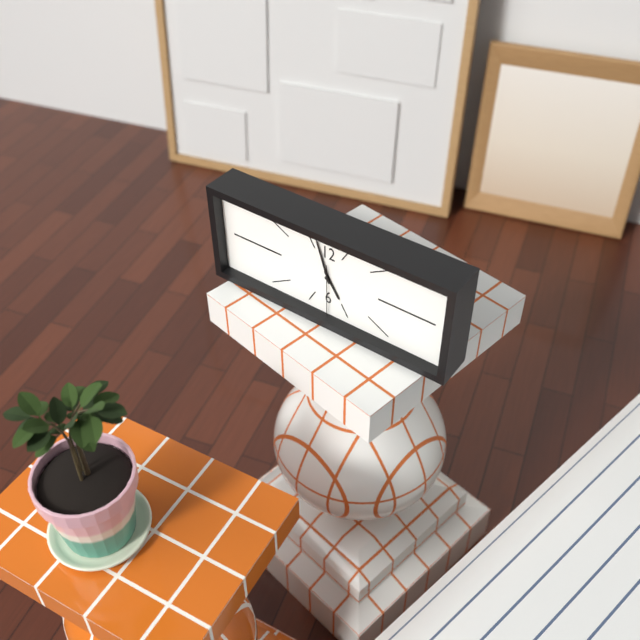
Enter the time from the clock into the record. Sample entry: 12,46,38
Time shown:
4,57,30
